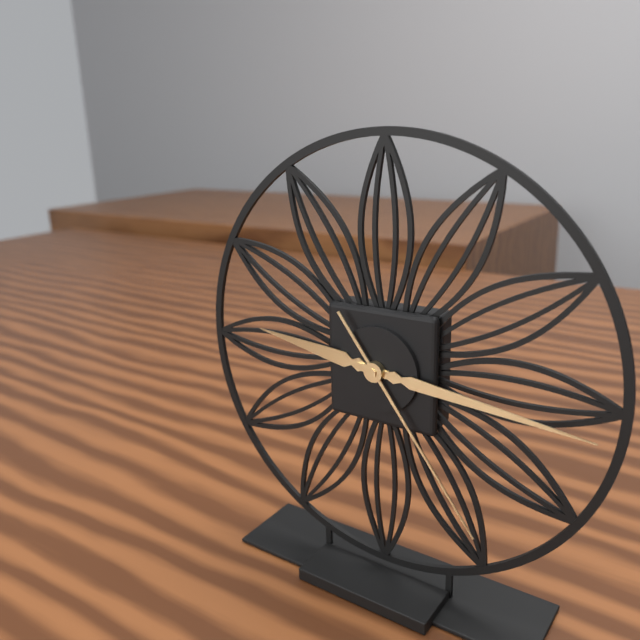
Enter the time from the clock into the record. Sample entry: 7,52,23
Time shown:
9,16,24
